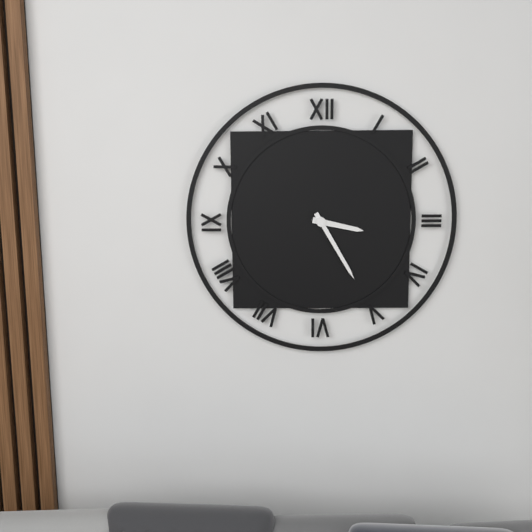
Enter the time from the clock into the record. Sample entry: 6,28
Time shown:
3,25
